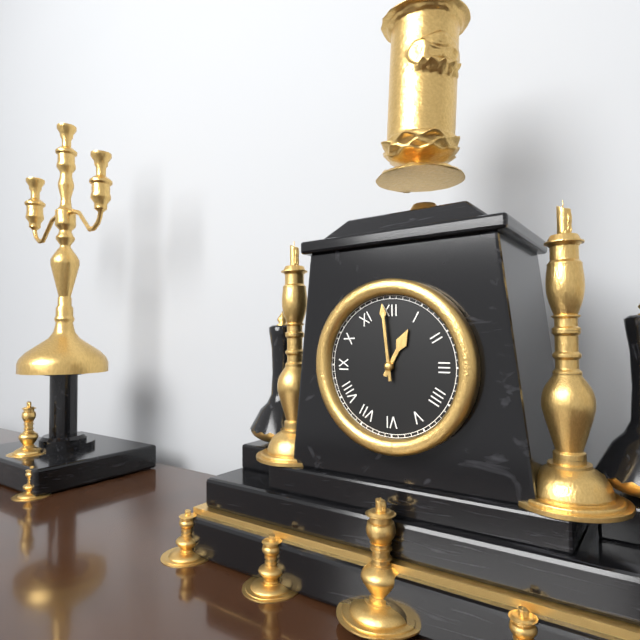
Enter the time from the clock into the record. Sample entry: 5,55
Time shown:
12,59
